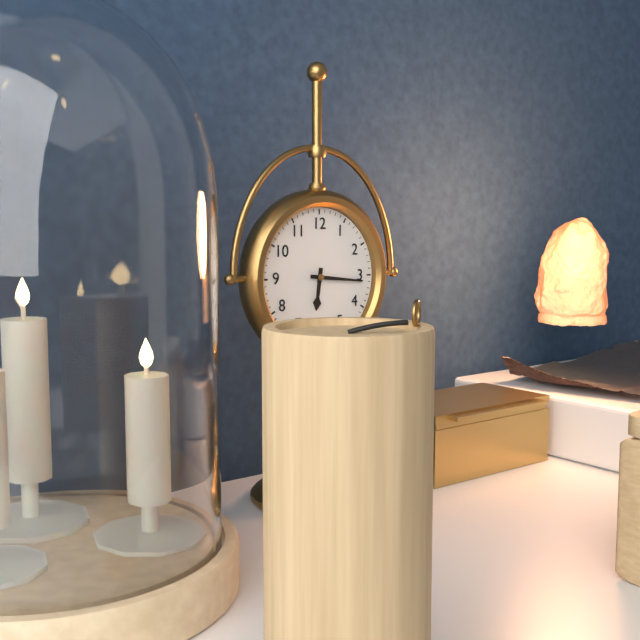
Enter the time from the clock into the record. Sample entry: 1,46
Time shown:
6,16
